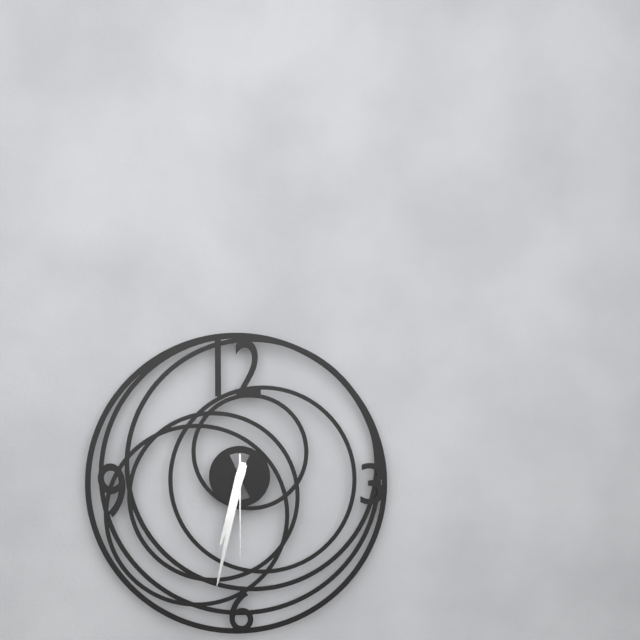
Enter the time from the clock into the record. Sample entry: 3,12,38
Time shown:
6,32,30
